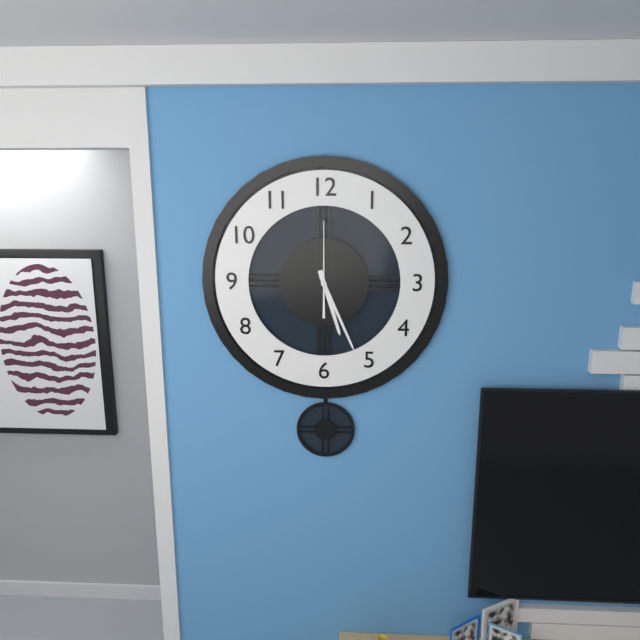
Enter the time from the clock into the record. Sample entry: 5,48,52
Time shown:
5,26,00
